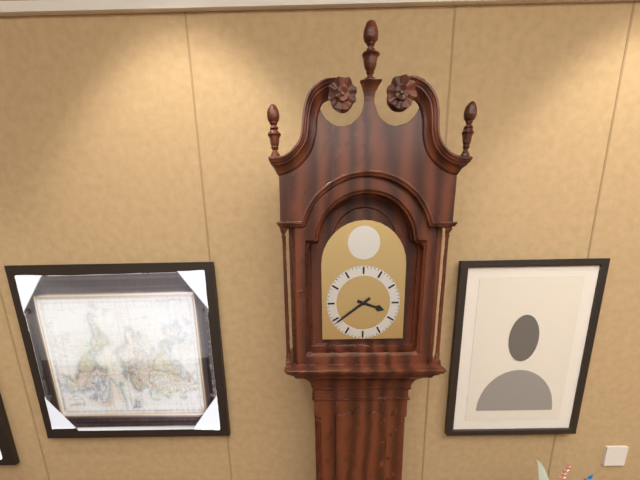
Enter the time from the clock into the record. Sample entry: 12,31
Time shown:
3,39
